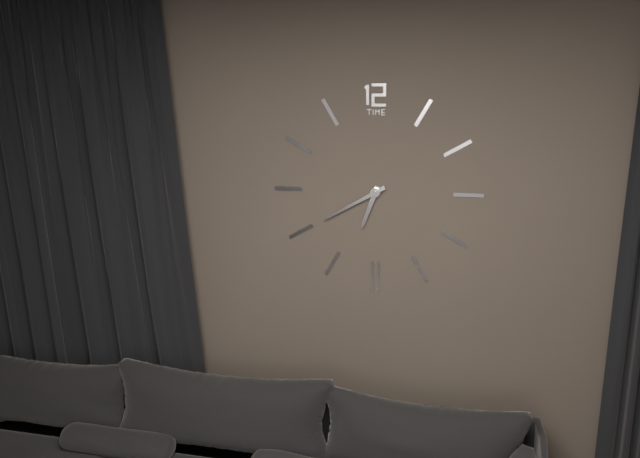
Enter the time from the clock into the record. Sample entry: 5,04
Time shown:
6,40
